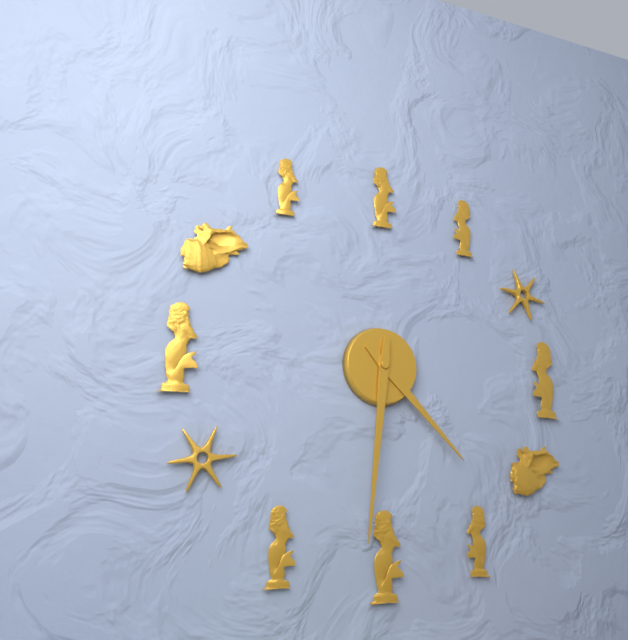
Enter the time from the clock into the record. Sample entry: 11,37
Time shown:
4,31
